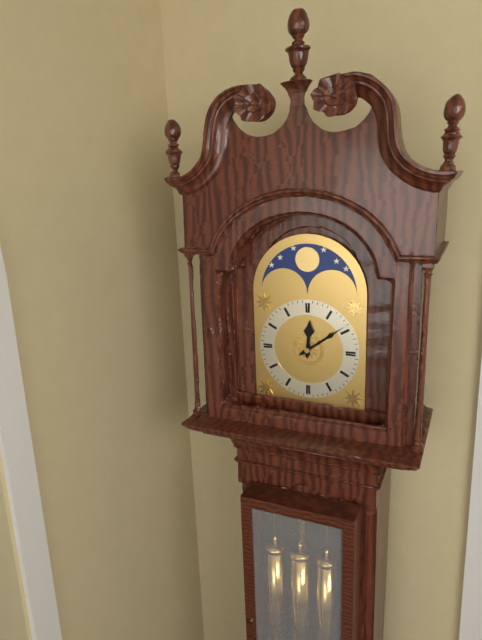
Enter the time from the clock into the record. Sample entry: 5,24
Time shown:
12,09
